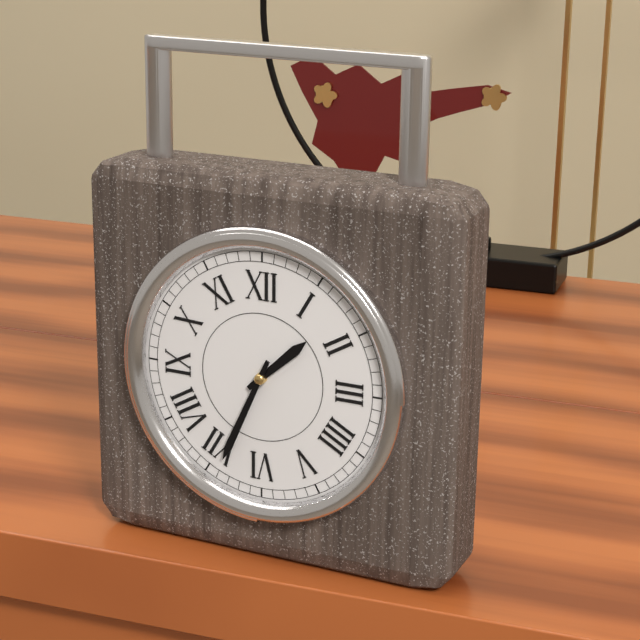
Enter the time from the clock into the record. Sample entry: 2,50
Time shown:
1,34
